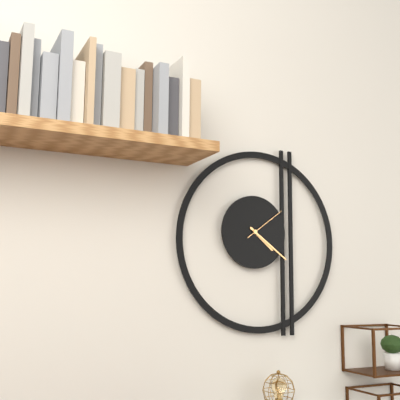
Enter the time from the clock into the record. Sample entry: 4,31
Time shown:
4,21
